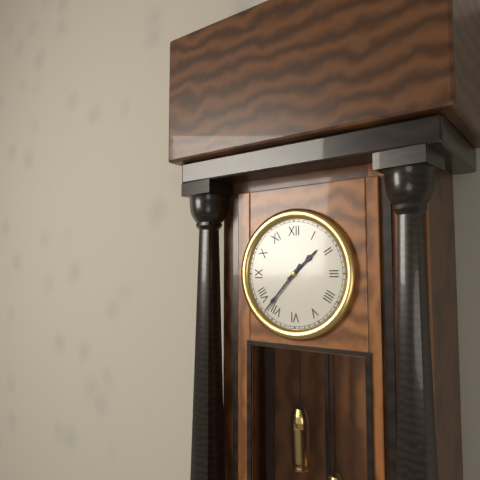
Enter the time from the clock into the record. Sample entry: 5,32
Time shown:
1,37
